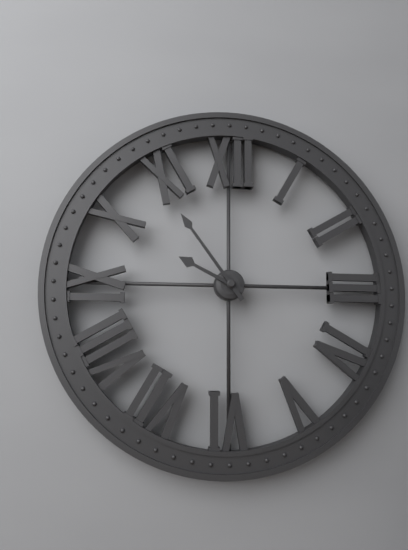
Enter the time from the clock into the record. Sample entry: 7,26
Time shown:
9,54
